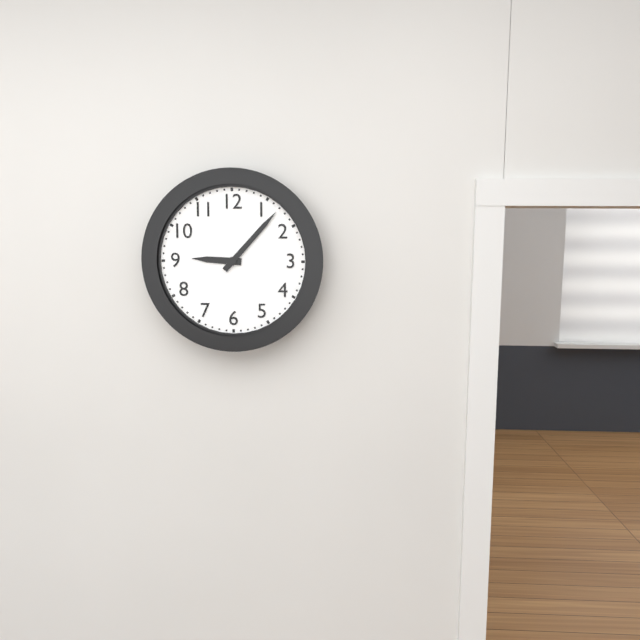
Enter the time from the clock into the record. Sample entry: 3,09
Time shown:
9,07
